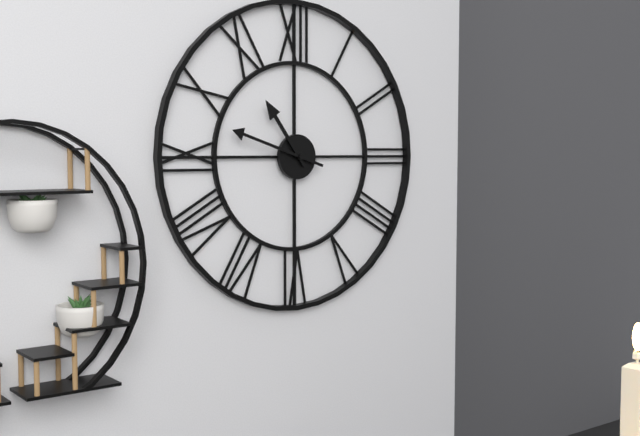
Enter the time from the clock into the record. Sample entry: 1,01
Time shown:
10,48
